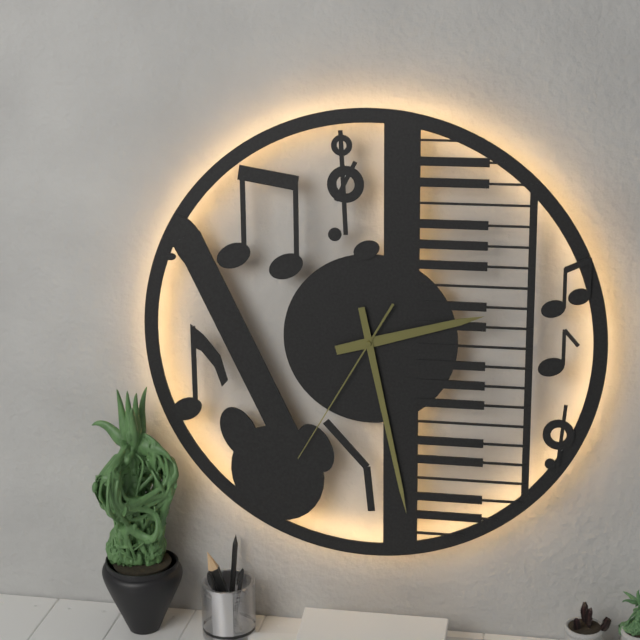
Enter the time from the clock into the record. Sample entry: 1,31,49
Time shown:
2,28,35
